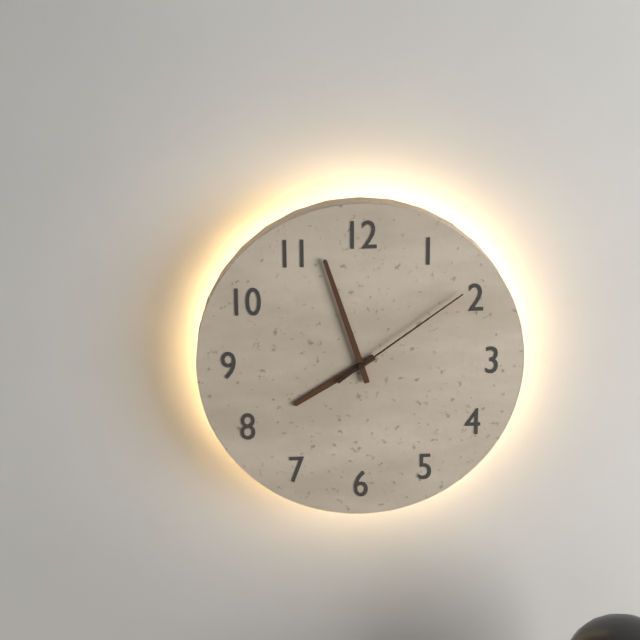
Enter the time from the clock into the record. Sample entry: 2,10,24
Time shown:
7,57,09
